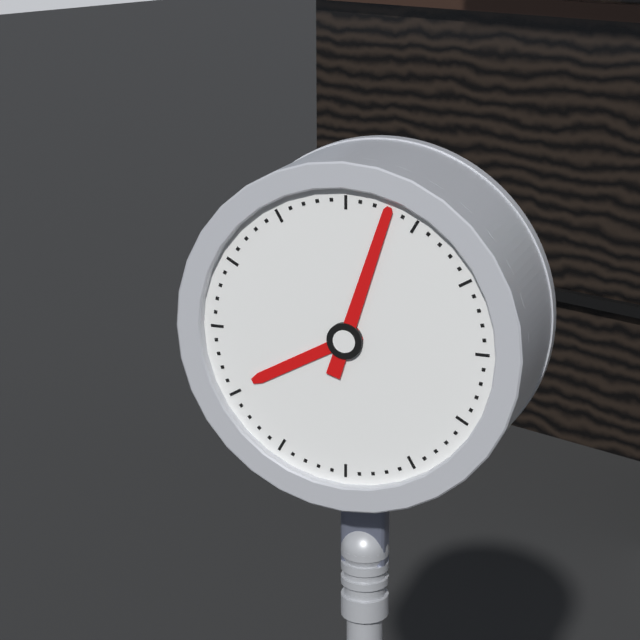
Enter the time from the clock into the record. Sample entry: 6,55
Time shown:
8,03
